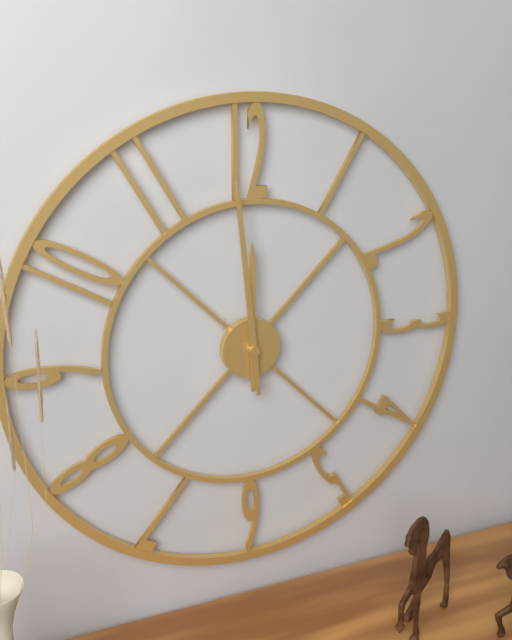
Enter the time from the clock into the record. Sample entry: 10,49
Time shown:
11,59
